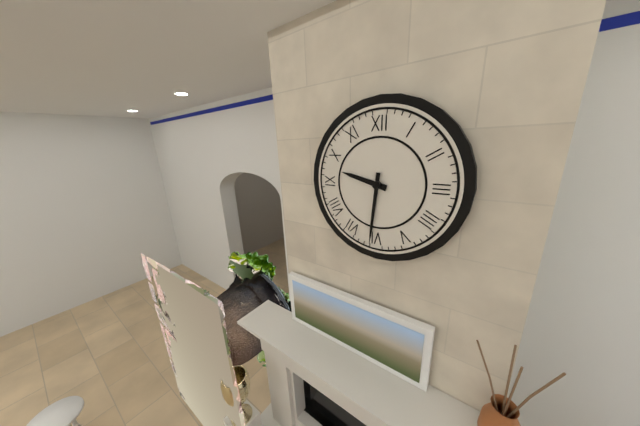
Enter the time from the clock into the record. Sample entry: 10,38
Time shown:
9,31
